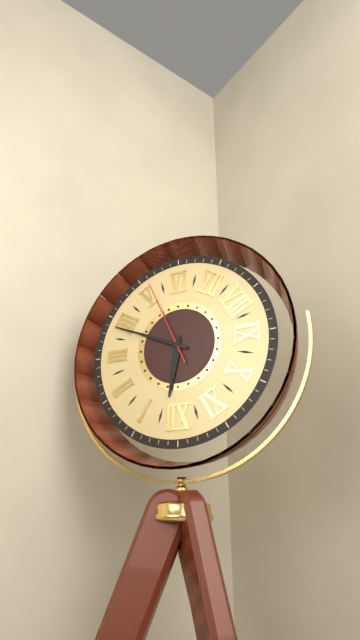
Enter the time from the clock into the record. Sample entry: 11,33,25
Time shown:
12,19,26
